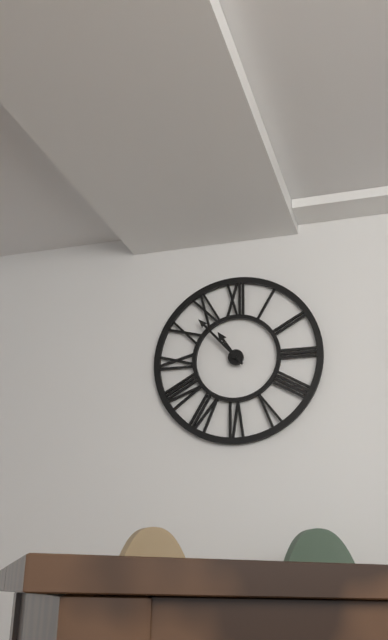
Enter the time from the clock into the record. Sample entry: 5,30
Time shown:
10,53
